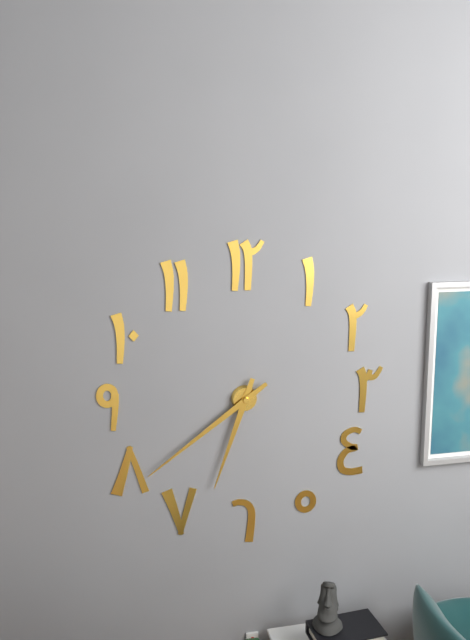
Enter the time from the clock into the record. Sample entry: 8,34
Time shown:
6,39
